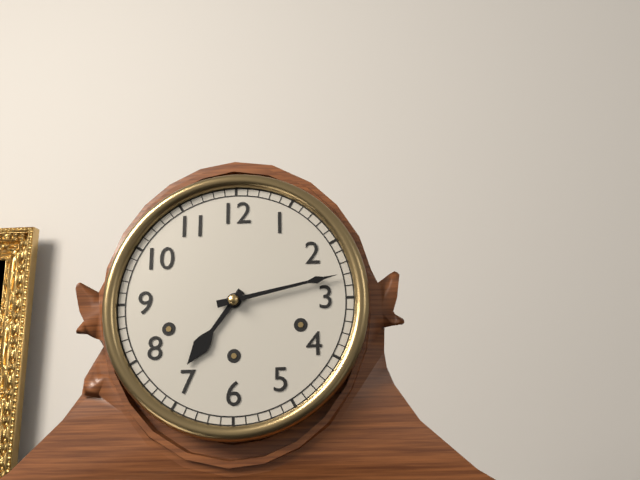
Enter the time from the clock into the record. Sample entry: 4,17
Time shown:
7,13
